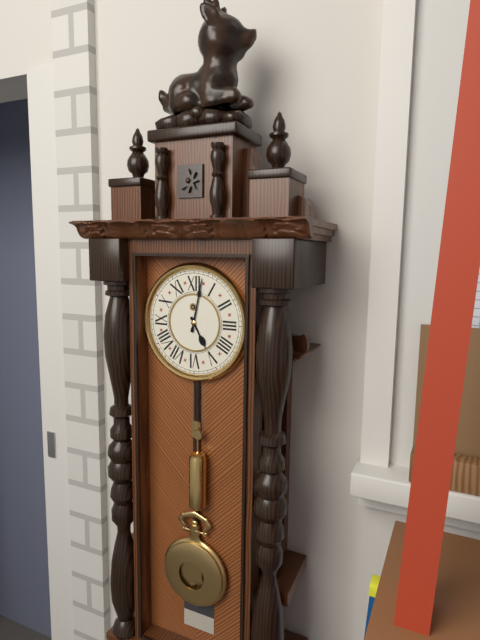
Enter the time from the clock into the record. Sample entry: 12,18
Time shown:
5,02
